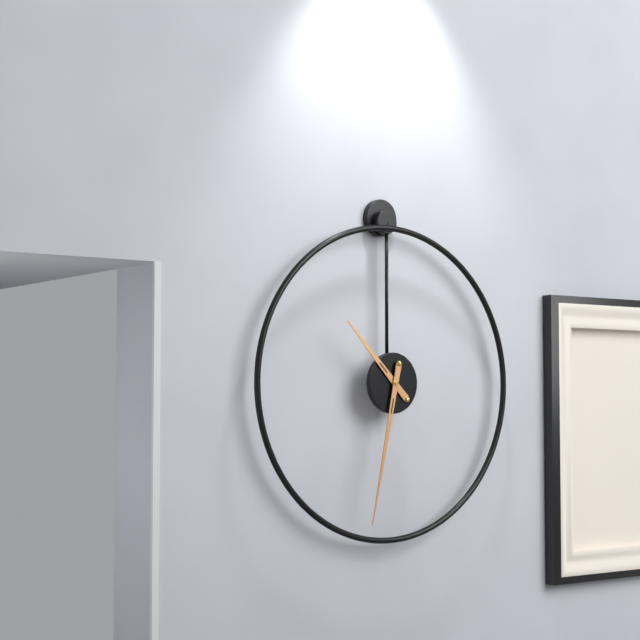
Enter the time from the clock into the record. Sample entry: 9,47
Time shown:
10,32
